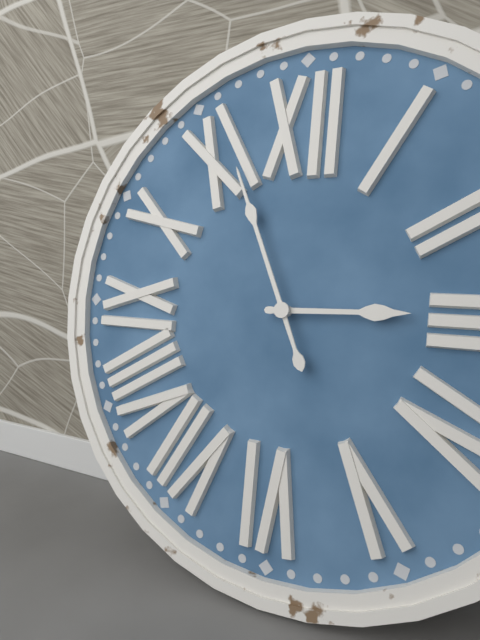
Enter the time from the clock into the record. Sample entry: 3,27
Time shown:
2,56
